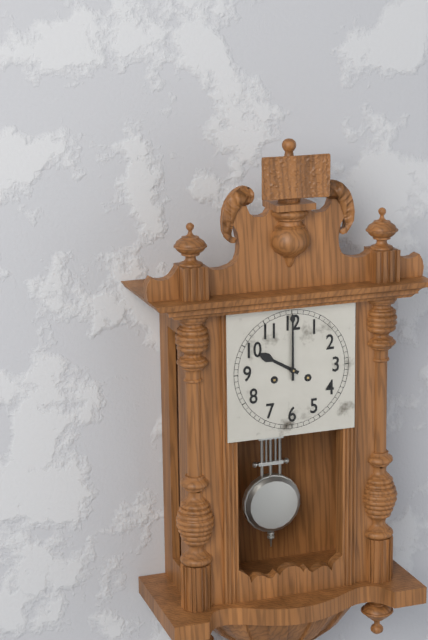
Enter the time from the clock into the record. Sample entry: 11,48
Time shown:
10,00
